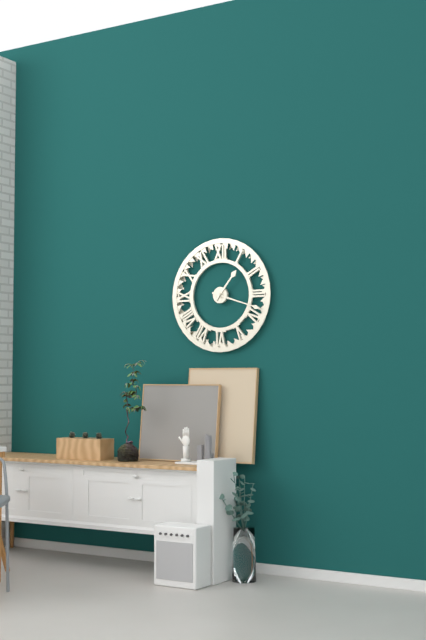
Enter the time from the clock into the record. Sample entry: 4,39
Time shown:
1,18
